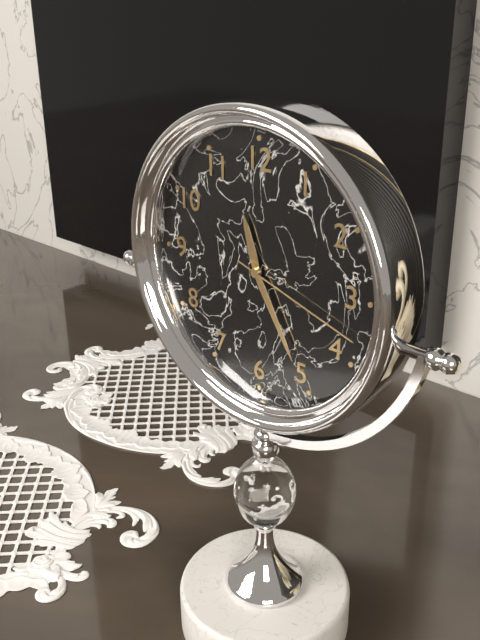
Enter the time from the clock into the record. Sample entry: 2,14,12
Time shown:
11,25,18
